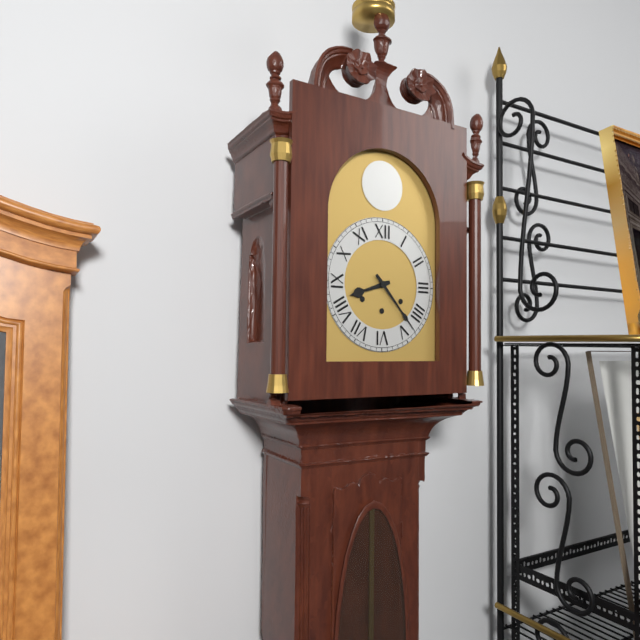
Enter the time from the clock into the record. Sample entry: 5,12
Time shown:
8,23
